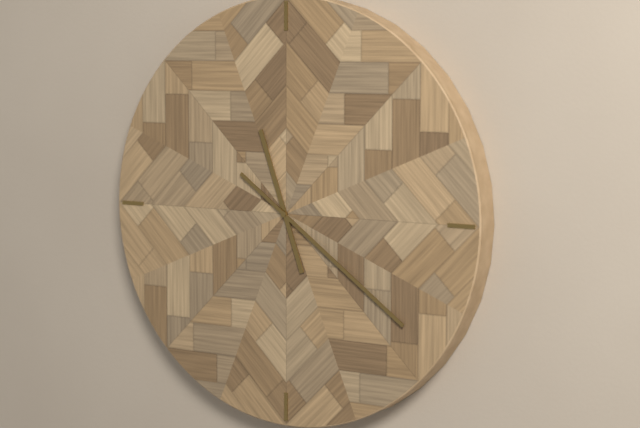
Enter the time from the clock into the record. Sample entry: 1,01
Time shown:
11,21
